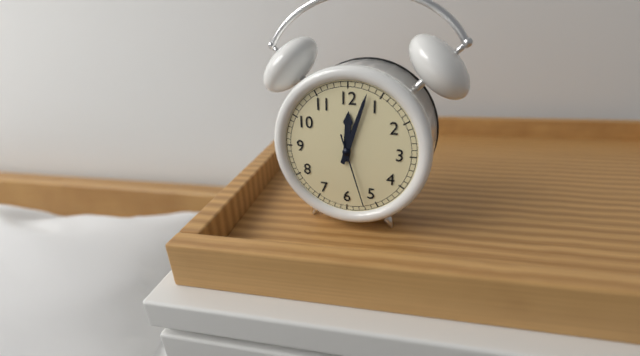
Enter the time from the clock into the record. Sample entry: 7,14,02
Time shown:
12,03,27
